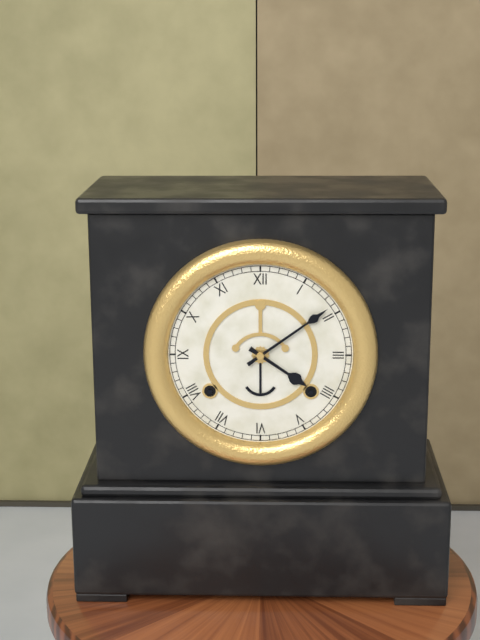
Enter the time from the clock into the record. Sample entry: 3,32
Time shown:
4,09
